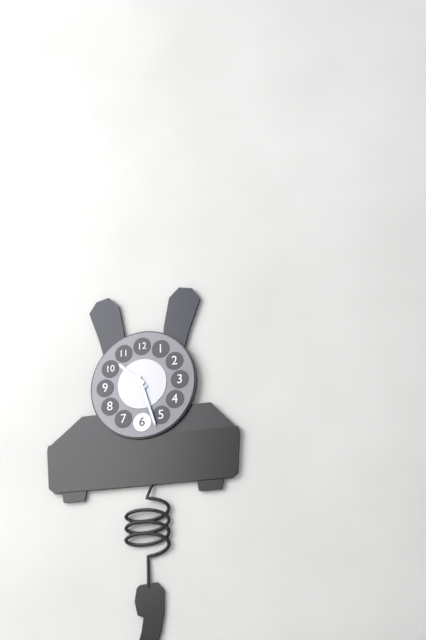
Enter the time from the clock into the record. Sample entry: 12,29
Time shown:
10,27
